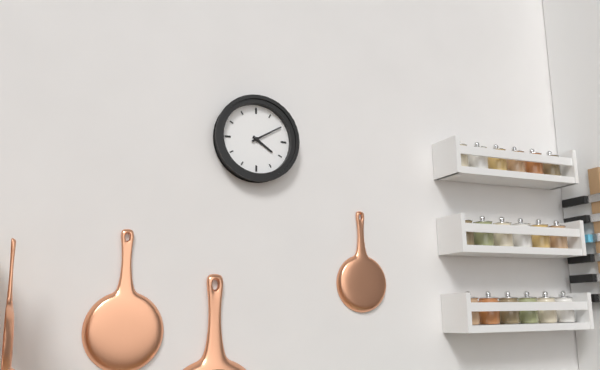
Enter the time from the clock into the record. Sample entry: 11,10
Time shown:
4,10
